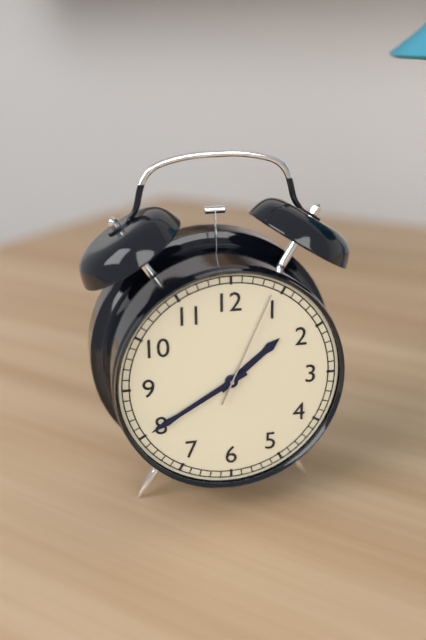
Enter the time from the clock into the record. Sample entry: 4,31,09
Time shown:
1,40,04
